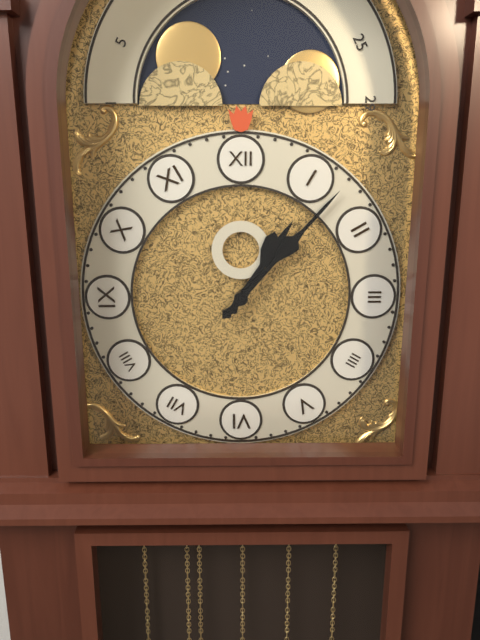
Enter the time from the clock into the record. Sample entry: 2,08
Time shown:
1,07
